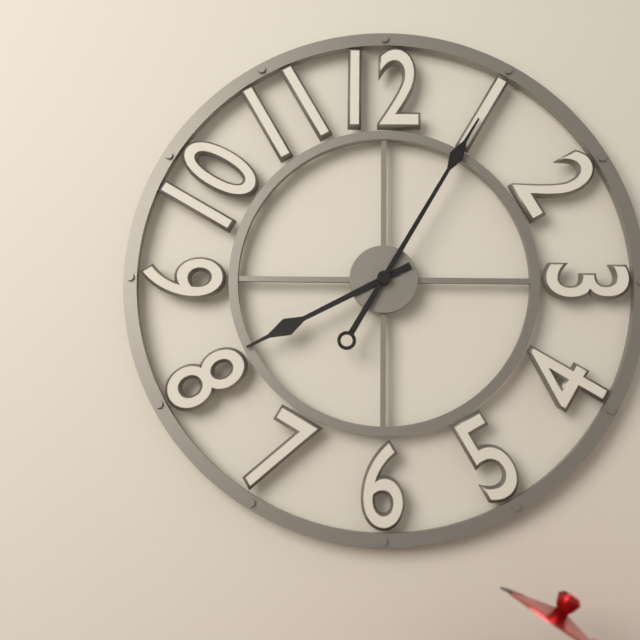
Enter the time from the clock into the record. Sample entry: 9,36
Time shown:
8,05
